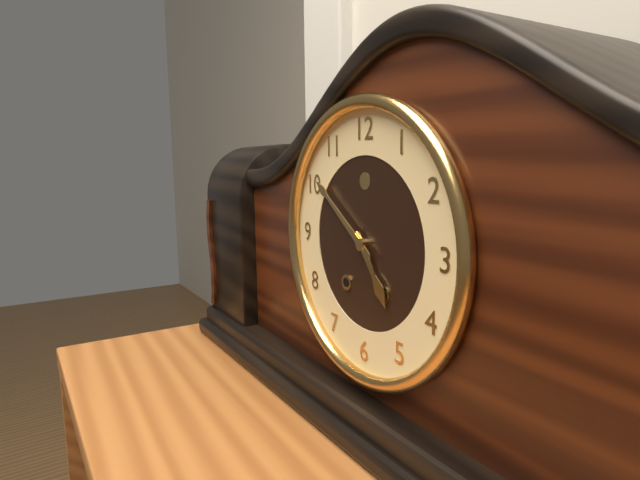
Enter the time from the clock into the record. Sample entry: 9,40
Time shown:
4,51
